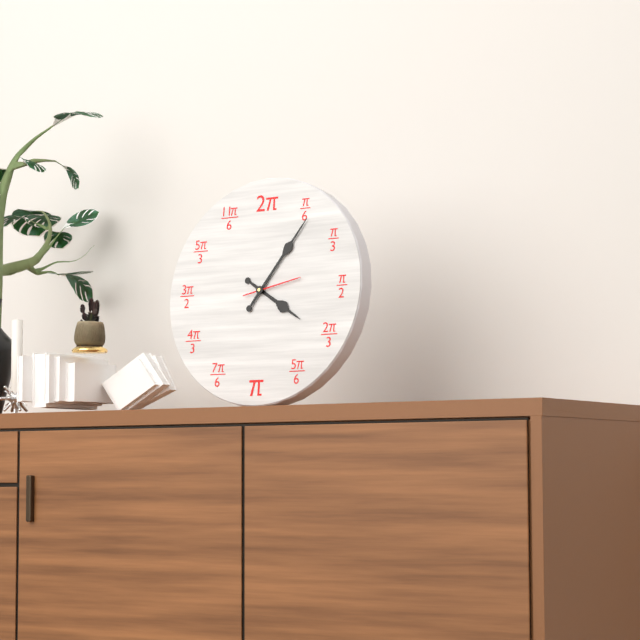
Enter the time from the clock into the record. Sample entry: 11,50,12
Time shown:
4,06,13
